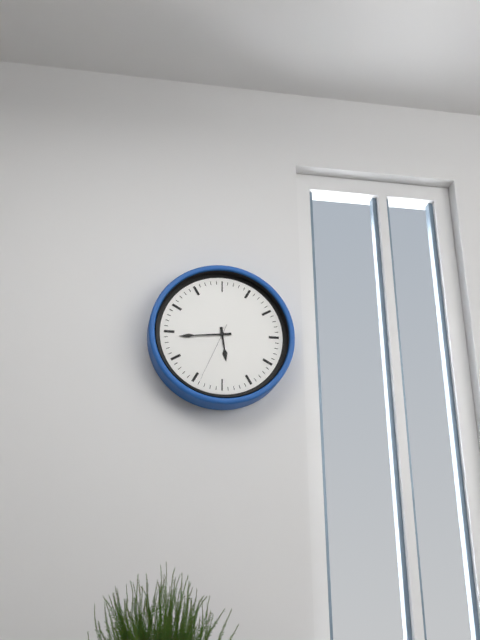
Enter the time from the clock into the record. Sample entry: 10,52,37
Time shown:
5,44,34
